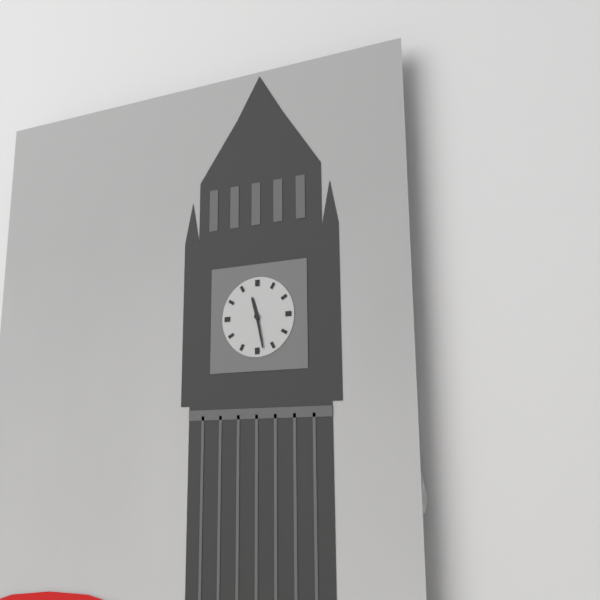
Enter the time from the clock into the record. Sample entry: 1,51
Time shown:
11,28
